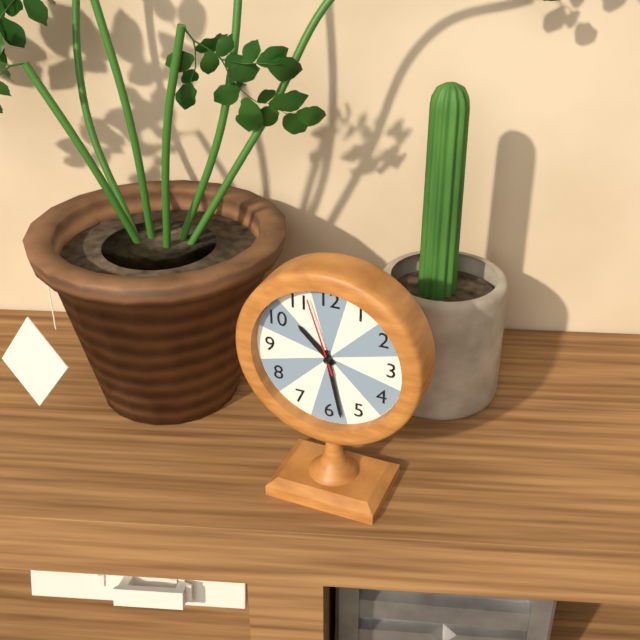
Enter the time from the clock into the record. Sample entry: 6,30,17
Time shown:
10,28,57
